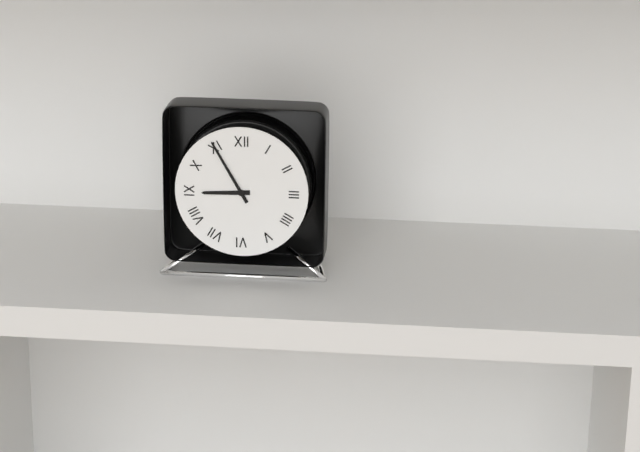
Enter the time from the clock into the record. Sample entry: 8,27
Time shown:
8,55
